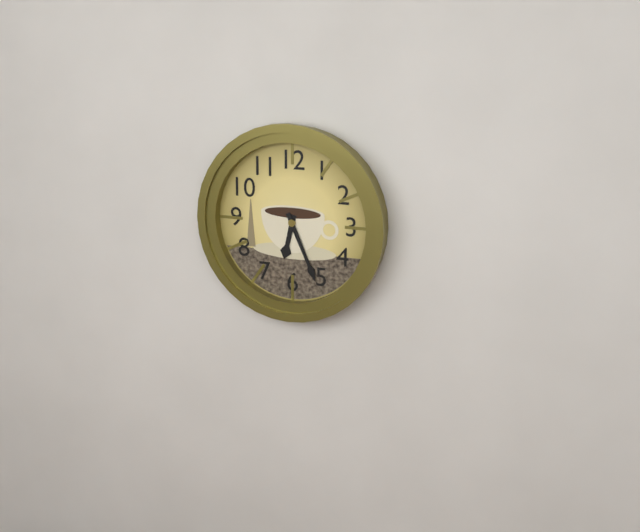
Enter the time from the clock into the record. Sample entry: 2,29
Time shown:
6,26
